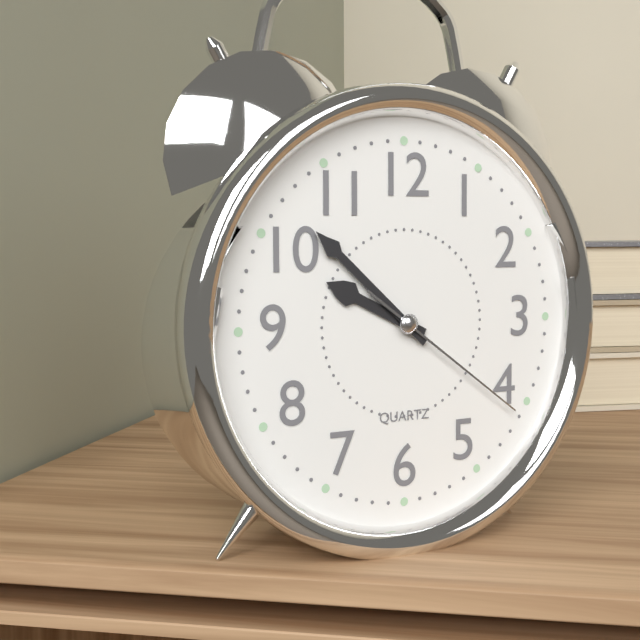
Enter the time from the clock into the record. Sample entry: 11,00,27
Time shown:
9,52,21
